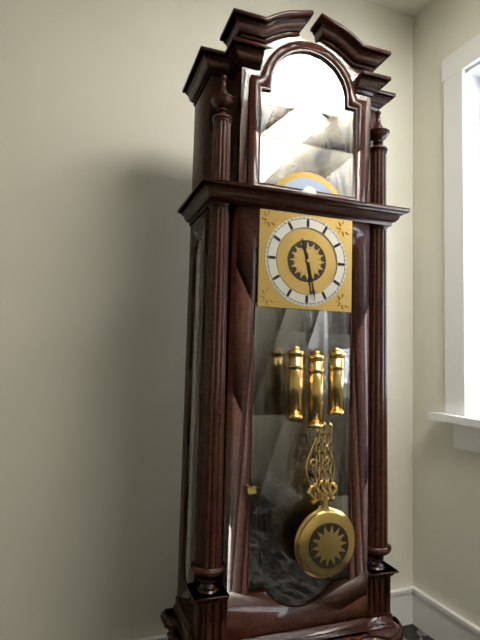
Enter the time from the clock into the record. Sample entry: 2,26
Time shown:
11,28
